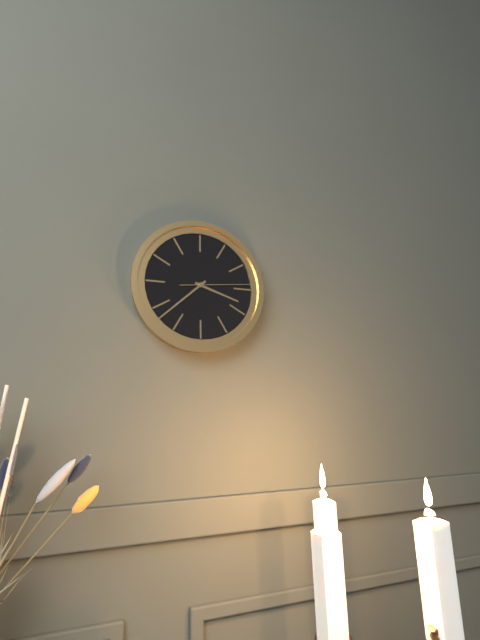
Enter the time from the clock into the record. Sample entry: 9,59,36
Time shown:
3,38,14
